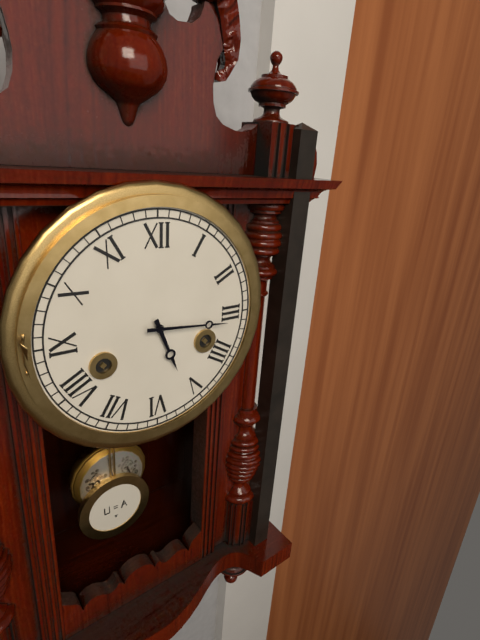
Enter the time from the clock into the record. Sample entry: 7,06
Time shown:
5,16
